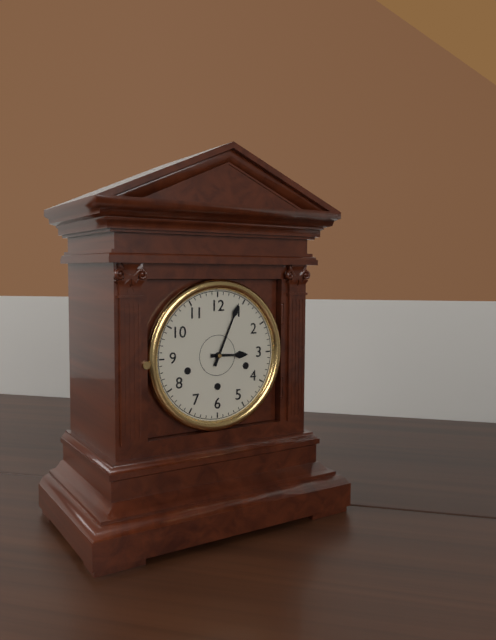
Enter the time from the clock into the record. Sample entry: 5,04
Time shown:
3,04
